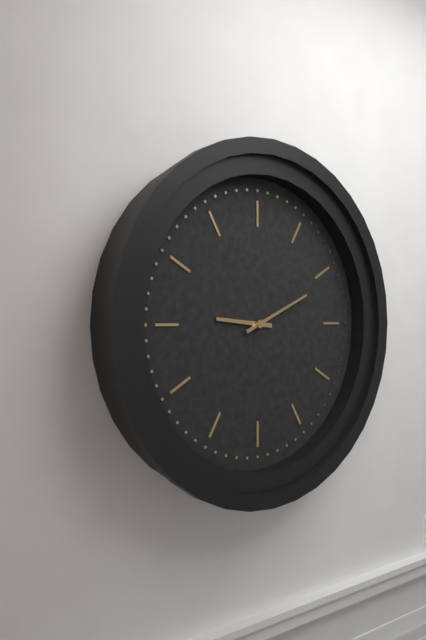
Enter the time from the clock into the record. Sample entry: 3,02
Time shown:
9,11
